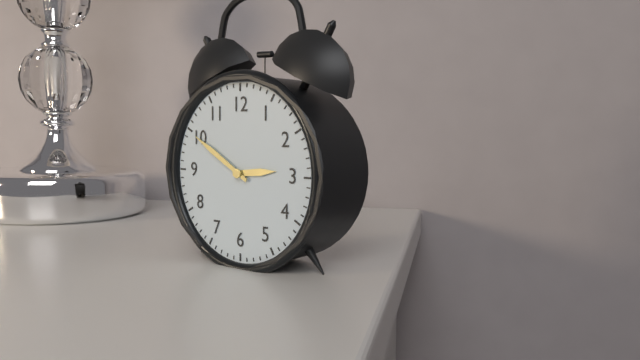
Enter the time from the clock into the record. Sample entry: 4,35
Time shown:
2,50
